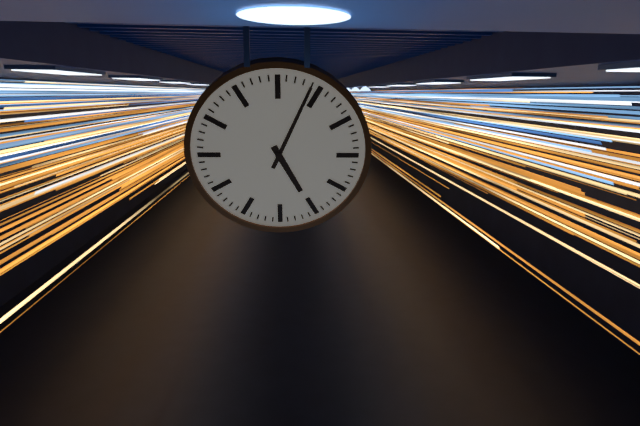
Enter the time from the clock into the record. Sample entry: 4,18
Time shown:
5,04
